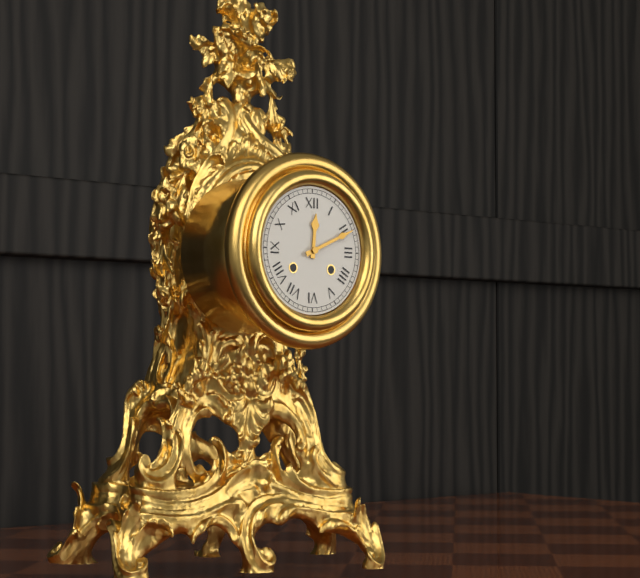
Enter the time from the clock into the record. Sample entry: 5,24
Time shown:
12,11
